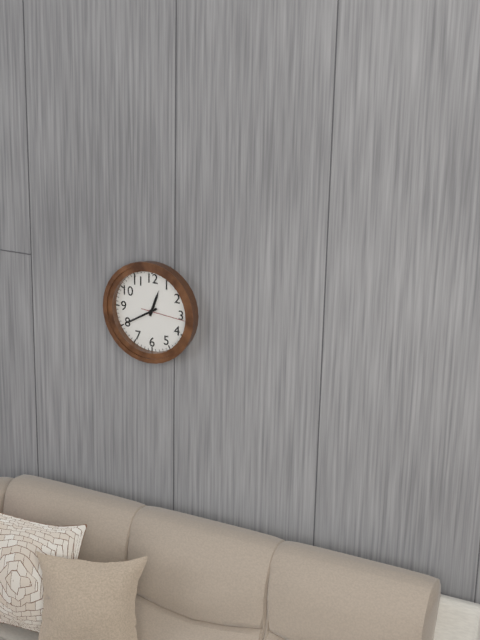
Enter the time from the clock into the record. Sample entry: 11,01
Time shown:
12,40
